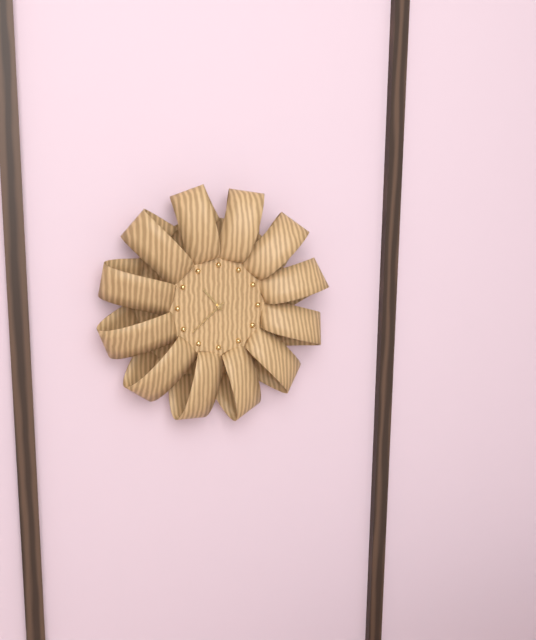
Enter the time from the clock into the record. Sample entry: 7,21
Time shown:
10,38
